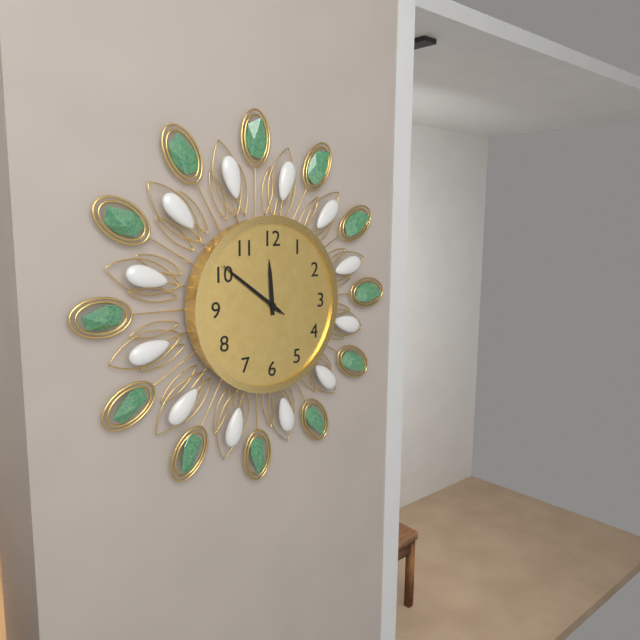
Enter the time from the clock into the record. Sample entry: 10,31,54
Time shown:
11,51,51
